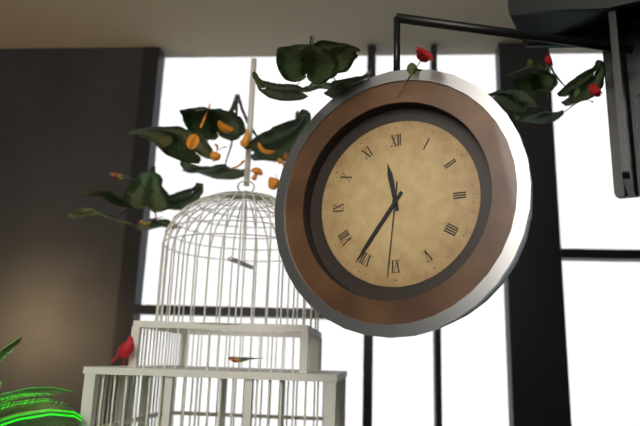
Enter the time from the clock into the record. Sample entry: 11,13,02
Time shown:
11,36,31
